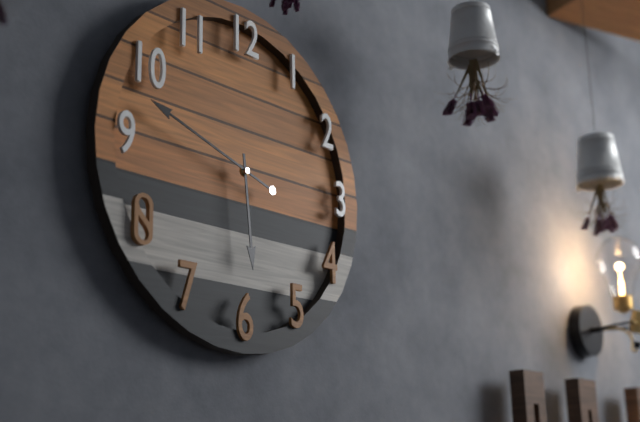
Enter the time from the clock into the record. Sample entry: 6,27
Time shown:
5,48
